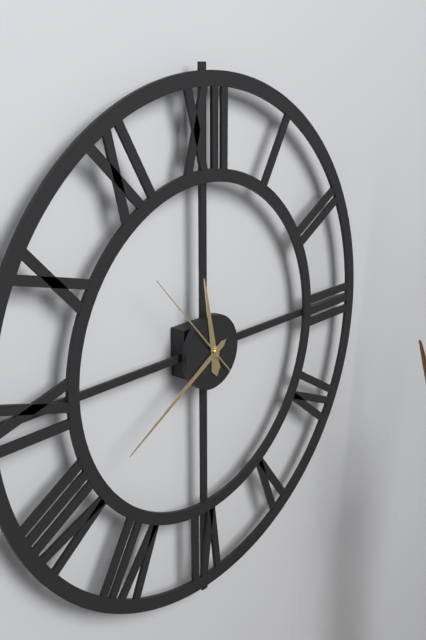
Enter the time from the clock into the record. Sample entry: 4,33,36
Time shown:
11,40,53
